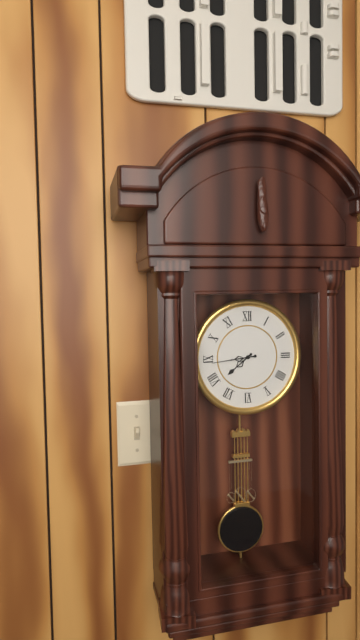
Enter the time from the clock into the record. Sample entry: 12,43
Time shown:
7,44
